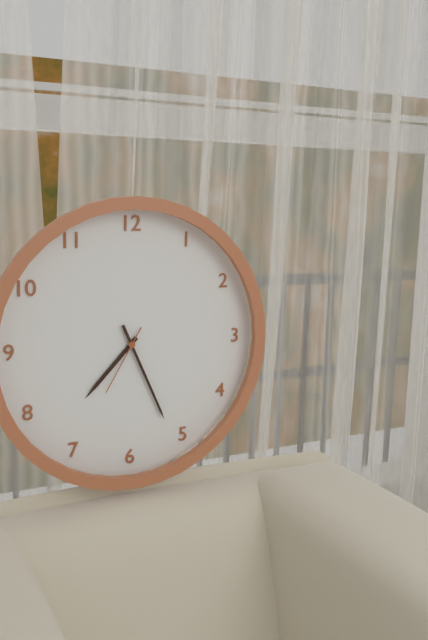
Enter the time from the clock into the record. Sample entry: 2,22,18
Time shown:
7,26,35
